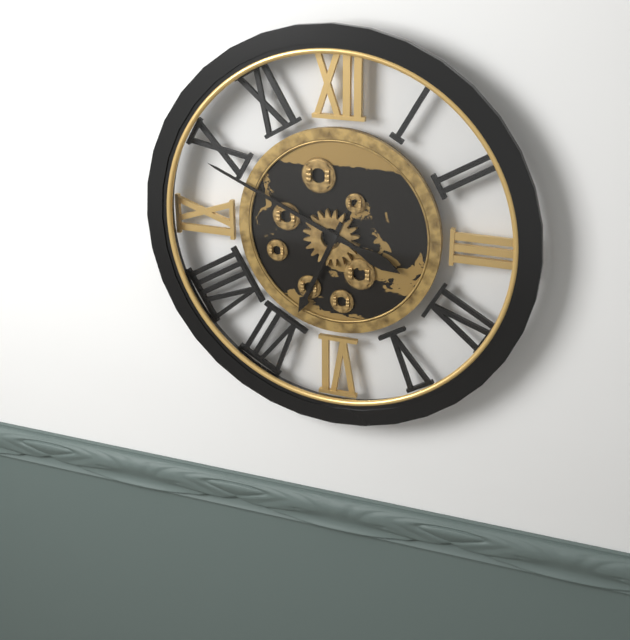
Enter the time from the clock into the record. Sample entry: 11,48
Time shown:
6,49
